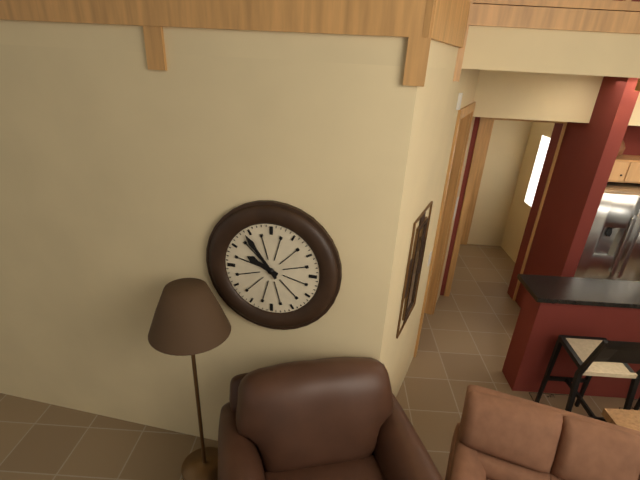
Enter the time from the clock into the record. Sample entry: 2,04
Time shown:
9,54
